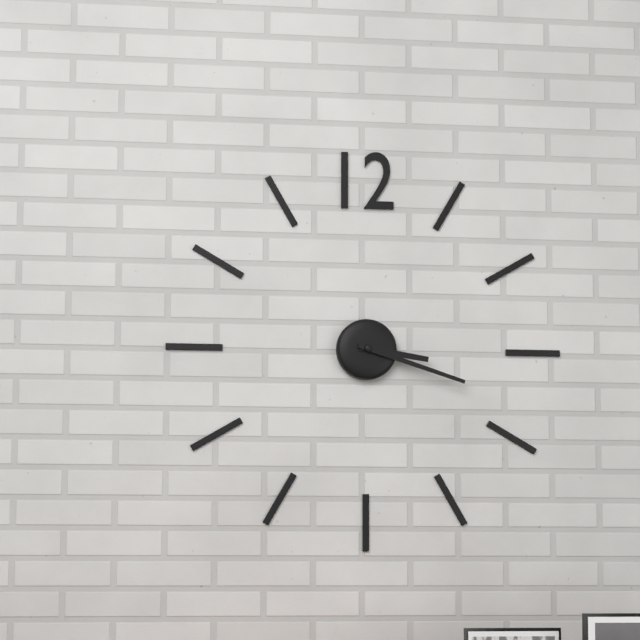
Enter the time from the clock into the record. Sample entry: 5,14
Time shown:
3,18
